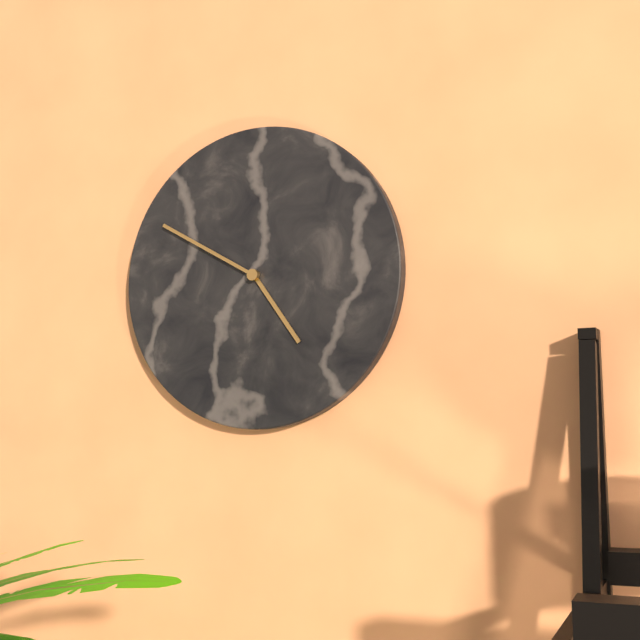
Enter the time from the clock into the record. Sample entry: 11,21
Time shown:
4,50
